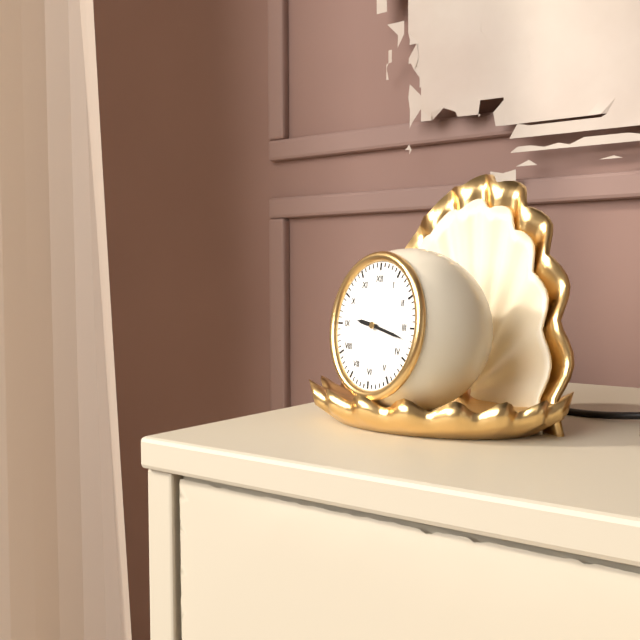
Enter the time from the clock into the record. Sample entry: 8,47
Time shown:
9,17
